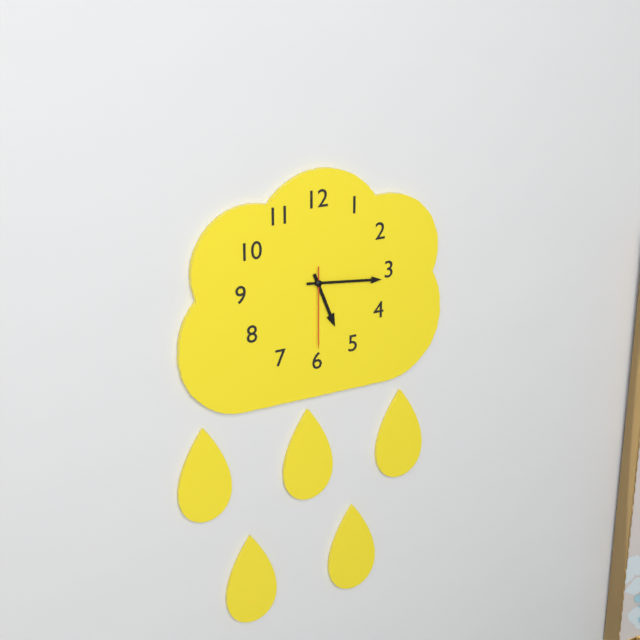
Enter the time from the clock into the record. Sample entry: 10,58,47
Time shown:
5,16,30
